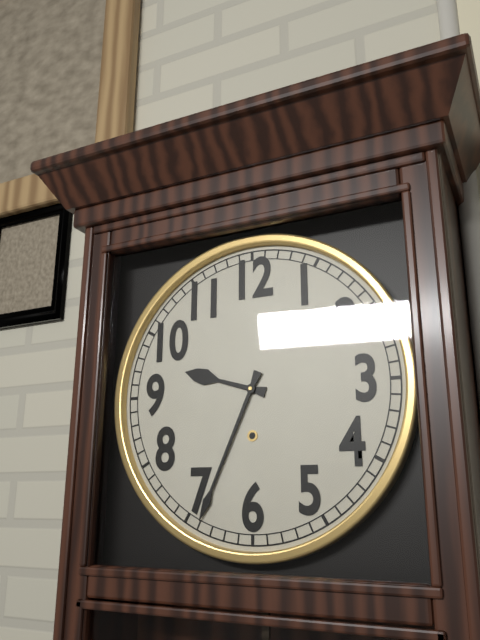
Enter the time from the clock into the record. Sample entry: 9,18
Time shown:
9,34
